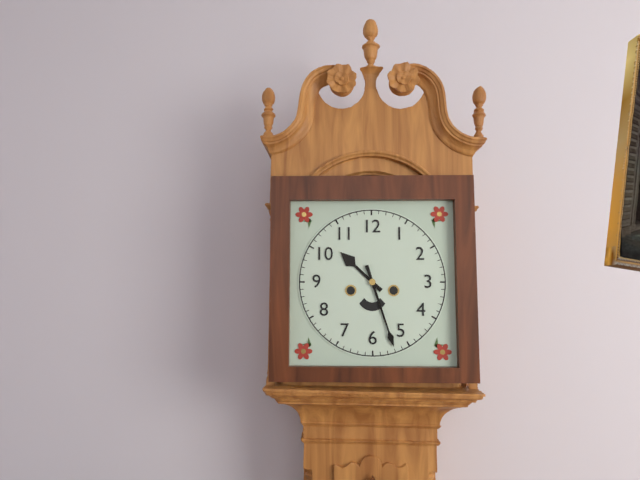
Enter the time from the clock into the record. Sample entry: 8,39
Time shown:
10,27
